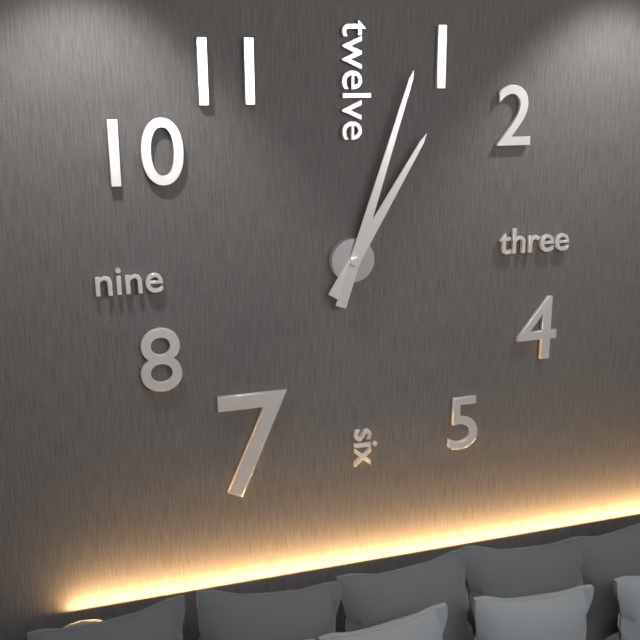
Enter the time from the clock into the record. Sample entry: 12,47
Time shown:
1,03
